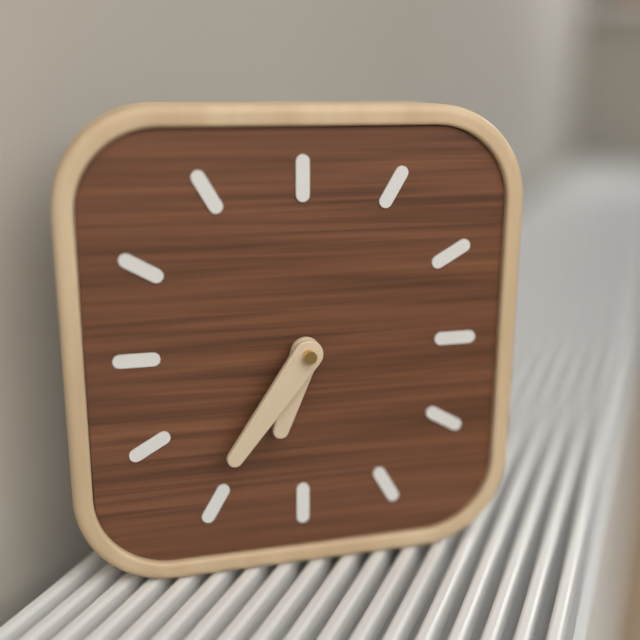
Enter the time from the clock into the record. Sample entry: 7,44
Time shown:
6,36
